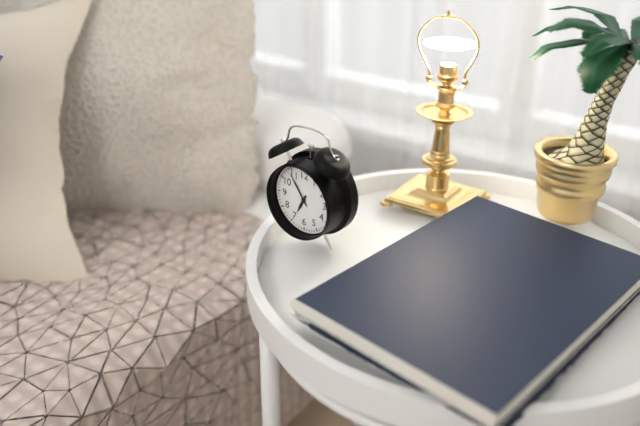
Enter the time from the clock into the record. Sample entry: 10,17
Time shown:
6,54
